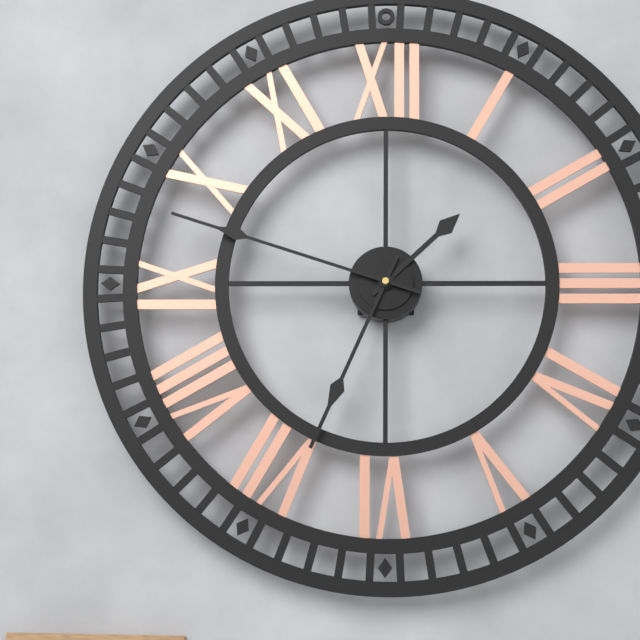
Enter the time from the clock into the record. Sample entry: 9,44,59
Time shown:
1,34,48
